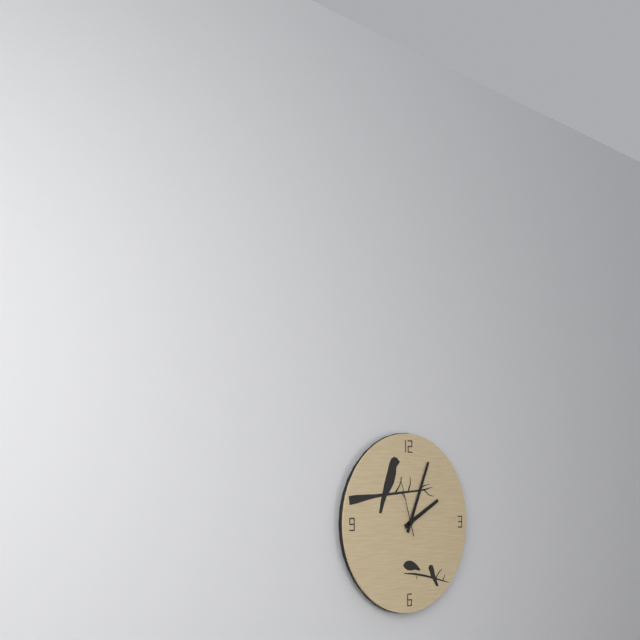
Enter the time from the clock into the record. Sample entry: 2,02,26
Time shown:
2,04,57
